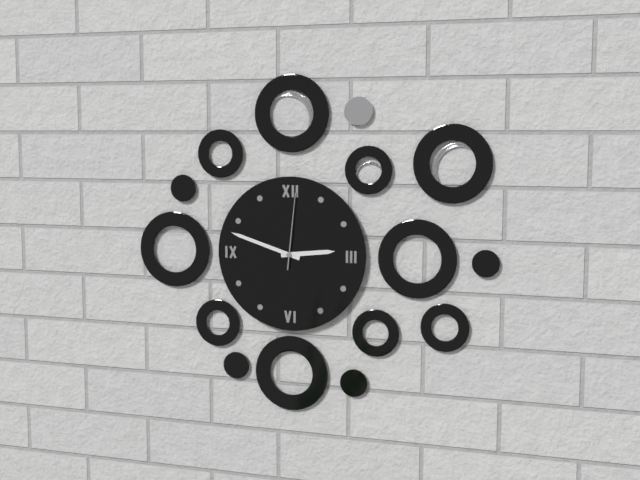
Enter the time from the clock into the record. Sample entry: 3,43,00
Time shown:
2,48,01
